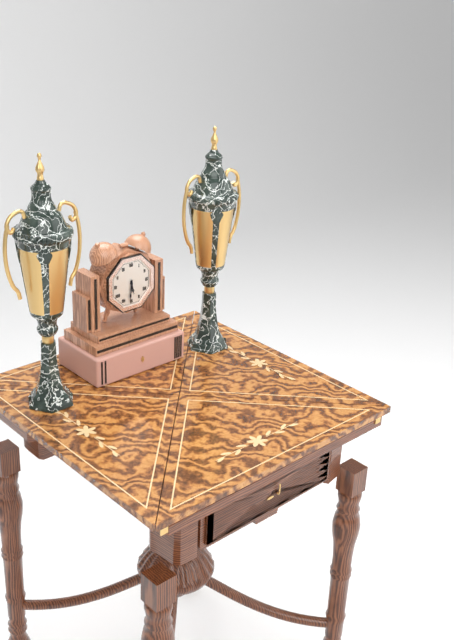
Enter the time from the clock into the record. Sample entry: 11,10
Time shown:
5,31
